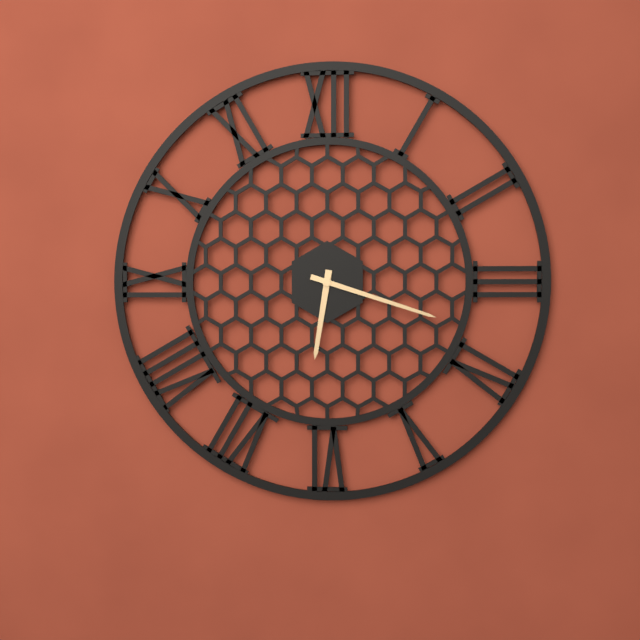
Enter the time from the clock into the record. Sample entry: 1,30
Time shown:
6,18
